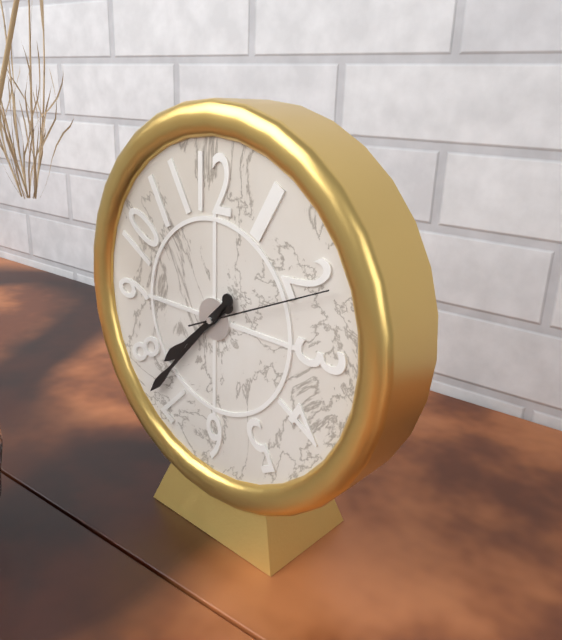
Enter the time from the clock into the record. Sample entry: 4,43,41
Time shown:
7,37,11
